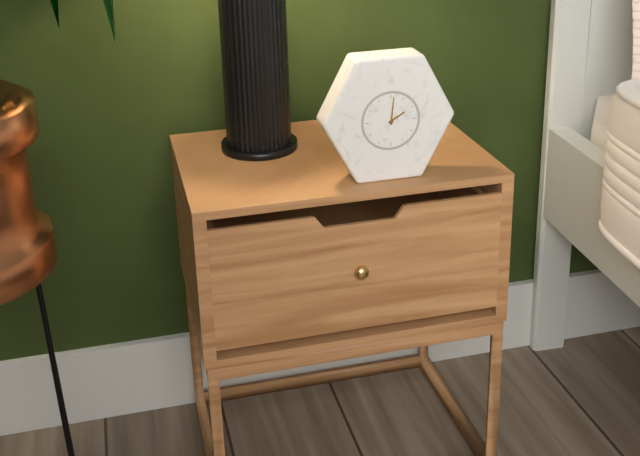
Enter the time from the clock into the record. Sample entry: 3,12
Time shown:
2,01
